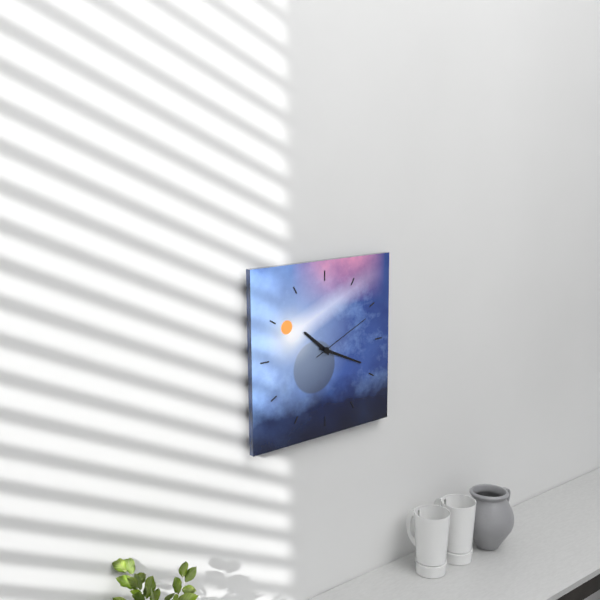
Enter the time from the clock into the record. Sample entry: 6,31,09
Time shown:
10,19,11
